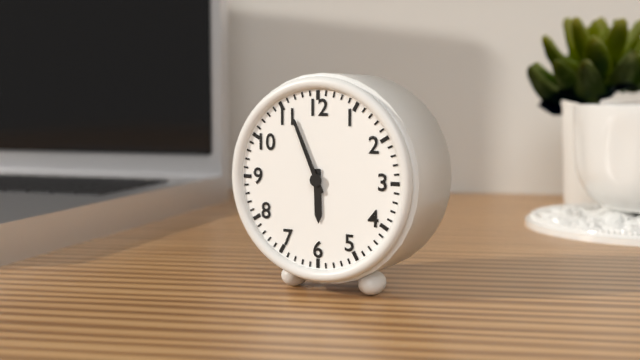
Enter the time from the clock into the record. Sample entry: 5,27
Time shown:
5,56
